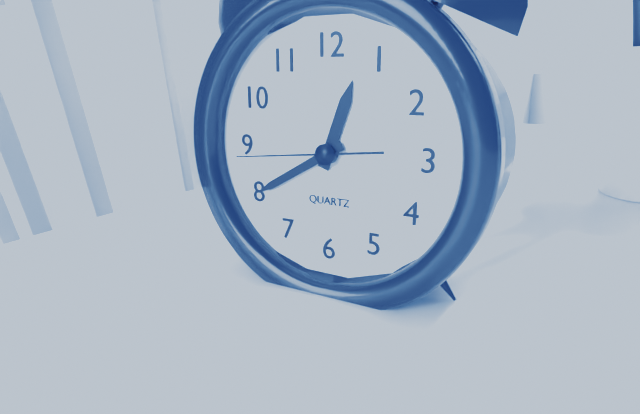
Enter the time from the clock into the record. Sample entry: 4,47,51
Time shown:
12,40,44
